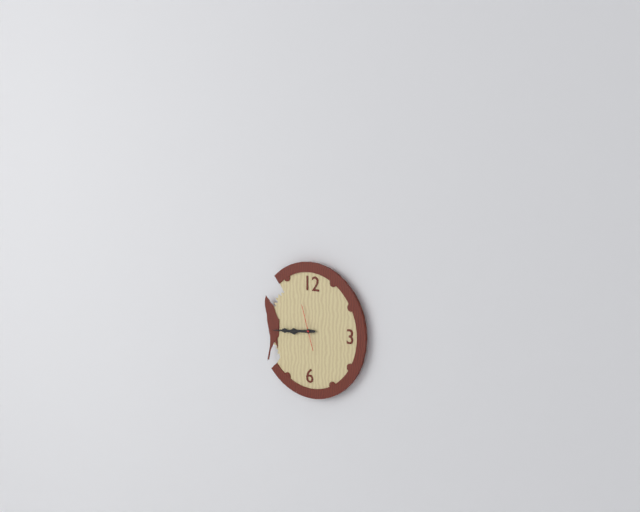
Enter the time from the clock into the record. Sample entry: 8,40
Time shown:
8,44
